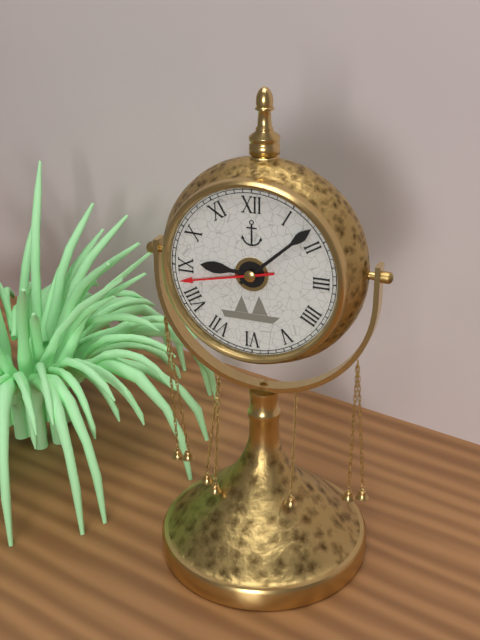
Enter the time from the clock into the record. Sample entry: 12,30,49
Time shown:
9,08,43
